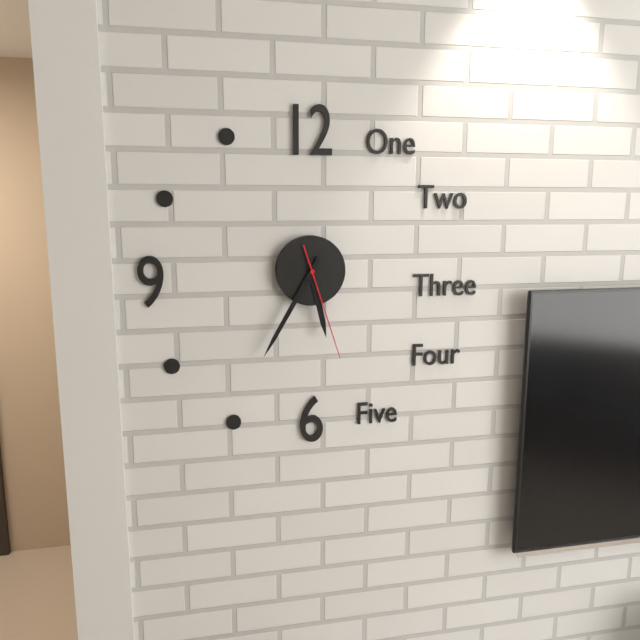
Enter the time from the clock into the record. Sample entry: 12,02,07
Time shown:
5,35,27
